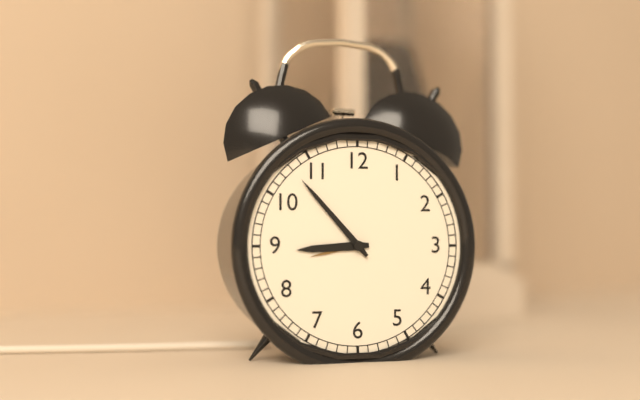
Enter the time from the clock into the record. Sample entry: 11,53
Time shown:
8,53
